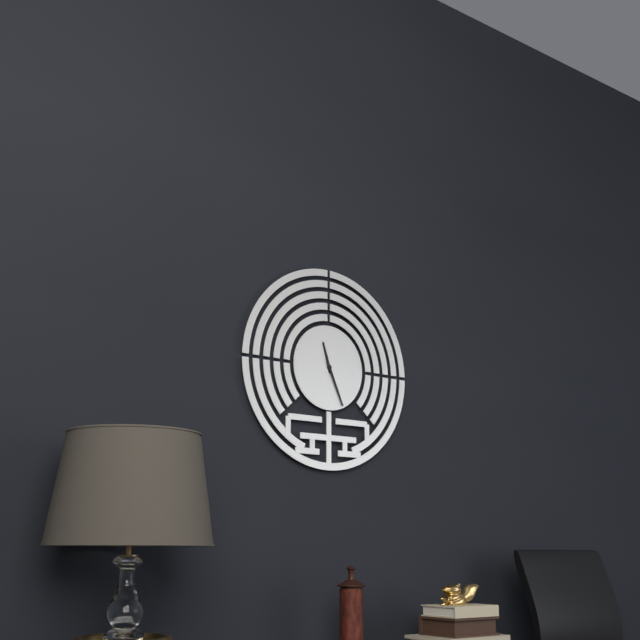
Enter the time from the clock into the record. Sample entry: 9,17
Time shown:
11,26
